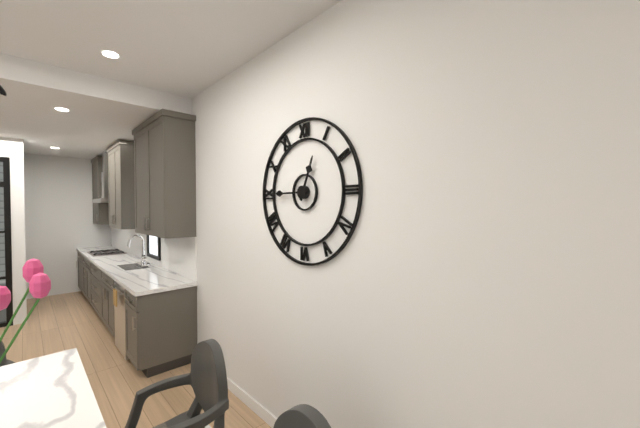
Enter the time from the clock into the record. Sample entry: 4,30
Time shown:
12,45
